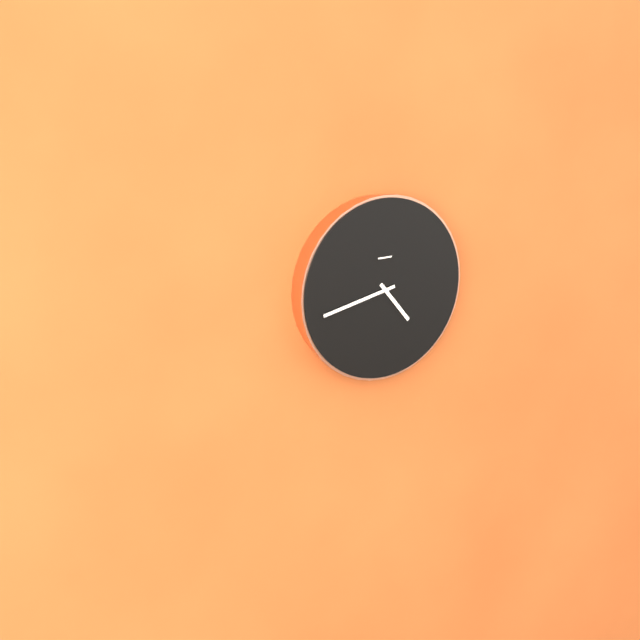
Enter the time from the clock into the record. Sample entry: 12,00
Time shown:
4,43
